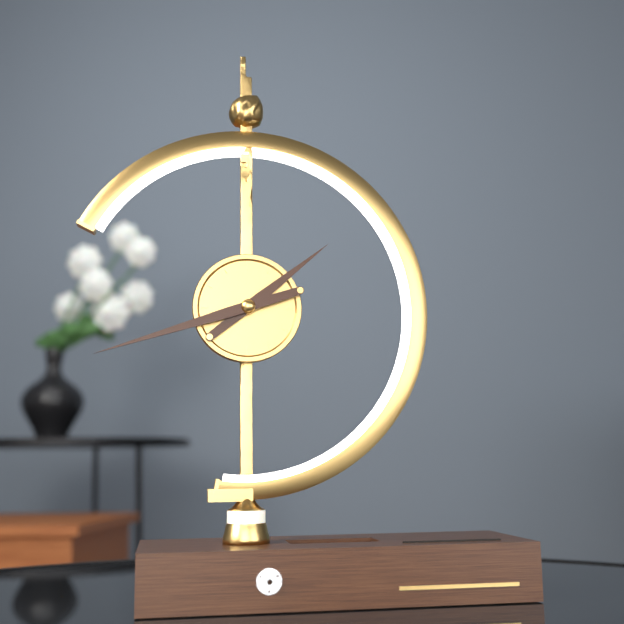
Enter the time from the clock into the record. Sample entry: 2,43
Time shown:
1,42
